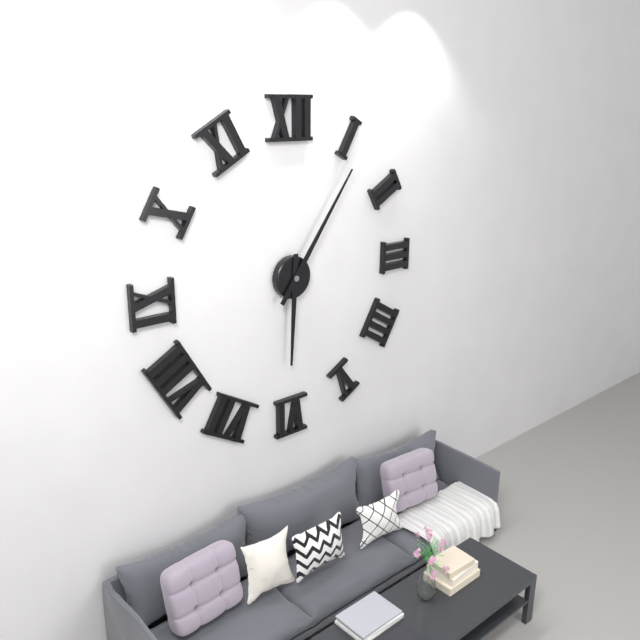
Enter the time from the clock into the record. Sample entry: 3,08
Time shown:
6,06
